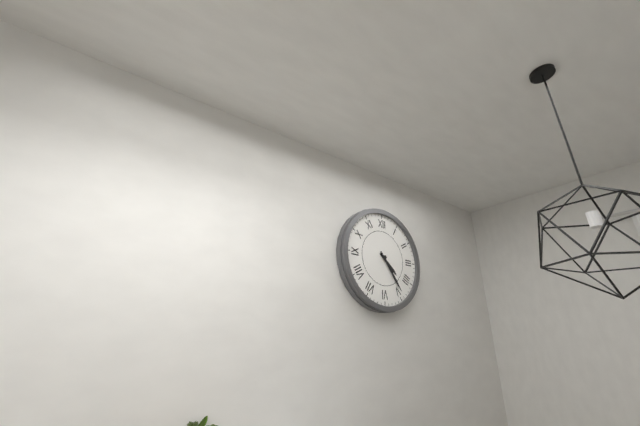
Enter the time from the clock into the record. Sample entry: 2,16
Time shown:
4,24
